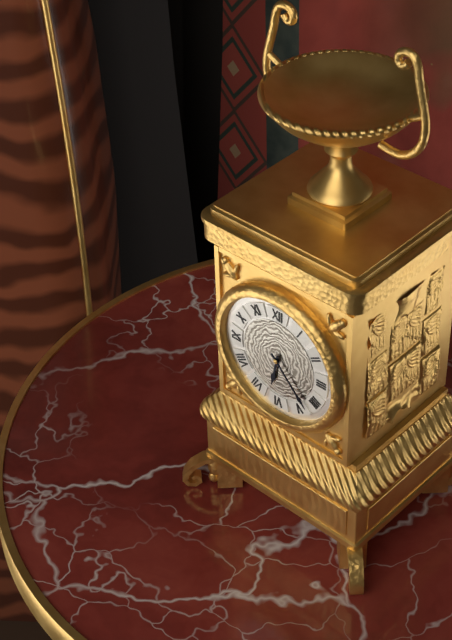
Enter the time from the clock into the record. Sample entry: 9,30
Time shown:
6,23
